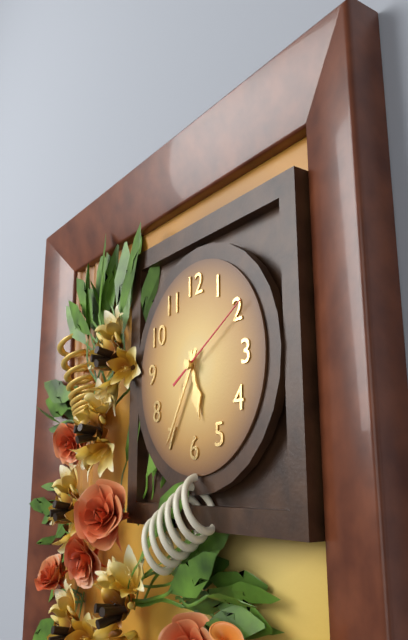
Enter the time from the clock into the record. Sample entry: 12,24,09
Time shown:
5,35,10
